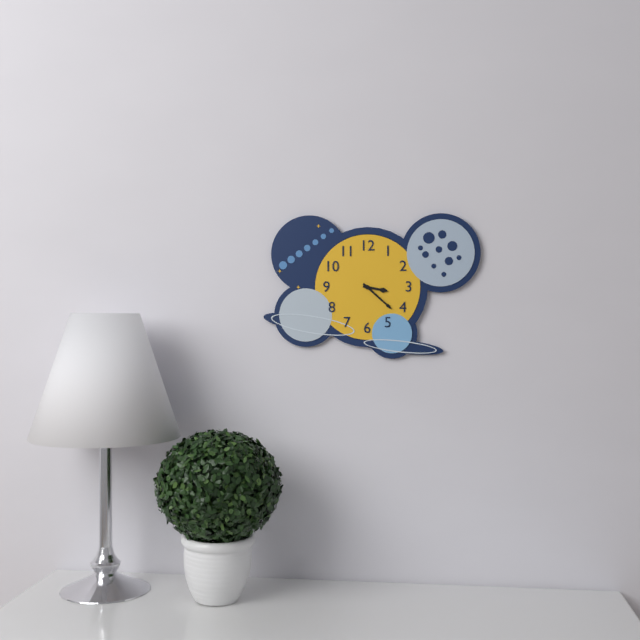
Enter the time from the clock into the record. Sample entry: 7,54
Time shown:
3,22
